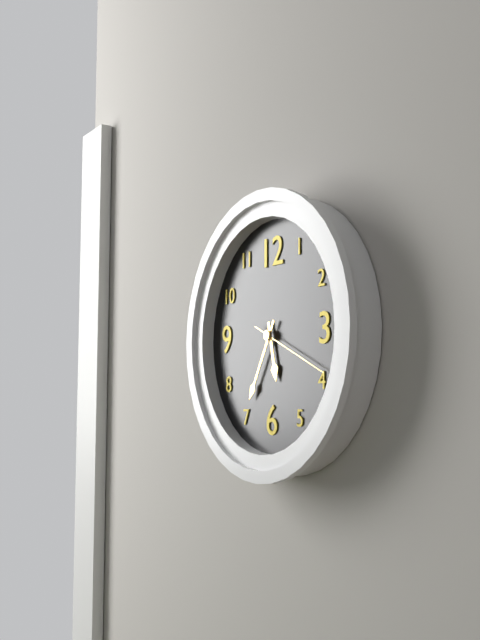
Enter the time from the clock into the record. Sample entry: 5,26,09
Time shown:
5,35,19
